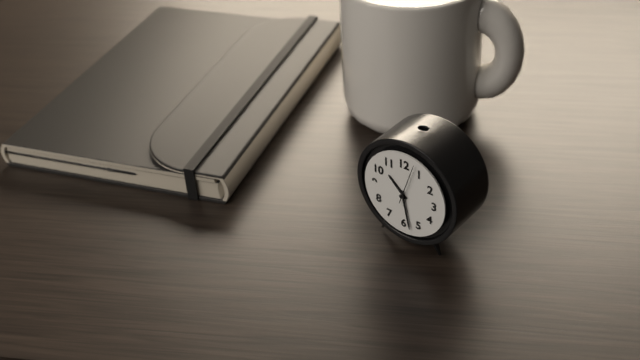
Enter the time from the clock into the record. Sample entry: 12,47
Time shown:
10,28
